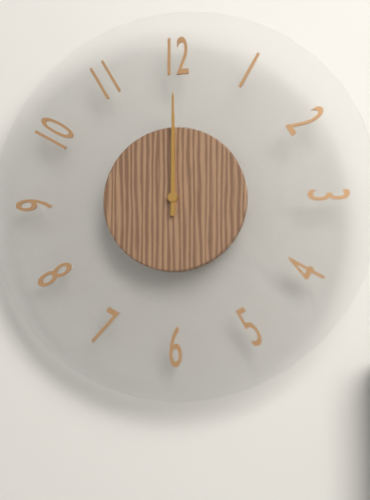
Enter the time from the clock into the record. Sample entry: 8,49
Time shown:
12,00
